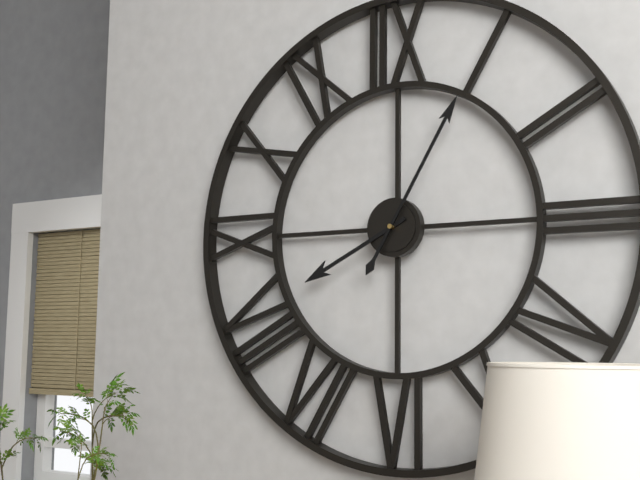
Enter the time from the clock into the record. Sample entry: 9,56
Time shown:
8,05
